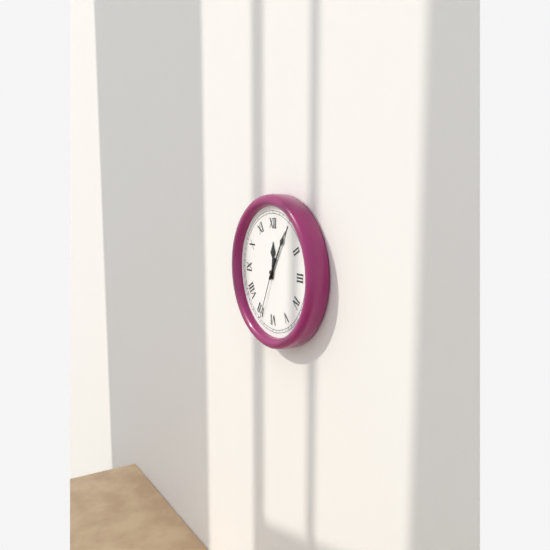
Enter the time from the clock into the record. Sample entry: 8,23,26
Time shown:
12,05,34
